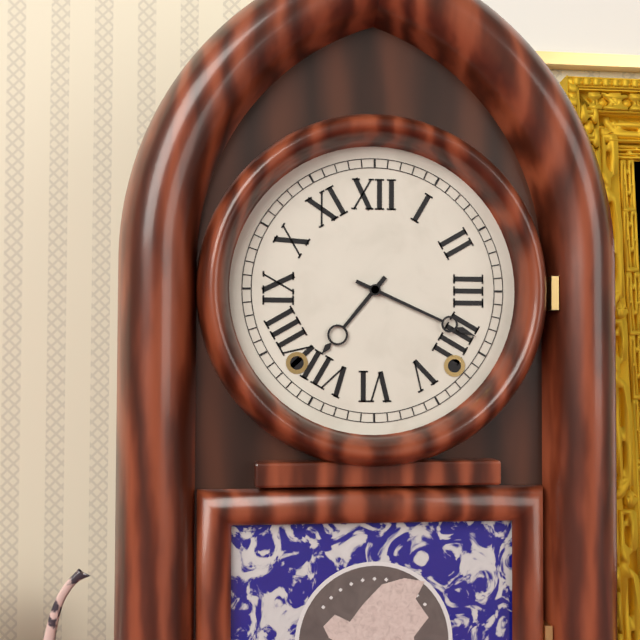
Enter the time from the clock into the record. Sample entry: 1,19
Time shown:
7,19
